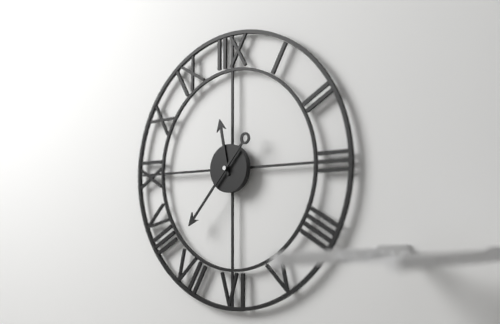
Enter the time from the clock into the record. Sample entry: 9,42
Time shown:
11,37
